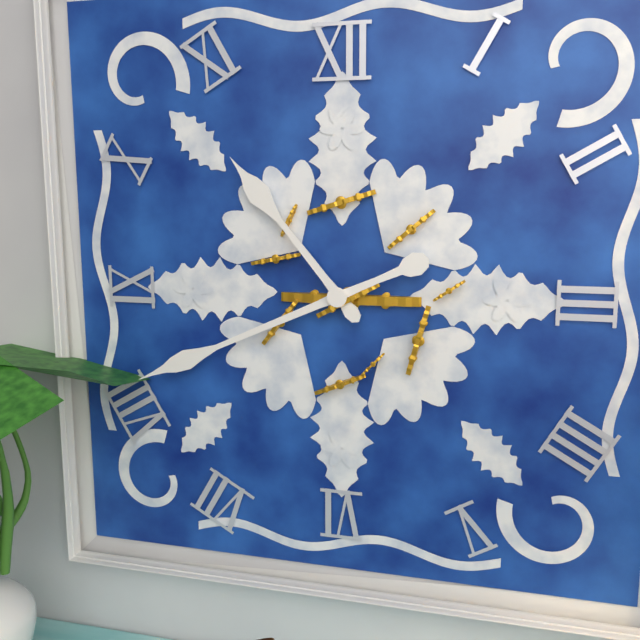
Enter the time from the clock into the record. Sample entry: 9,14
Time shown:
10,41
